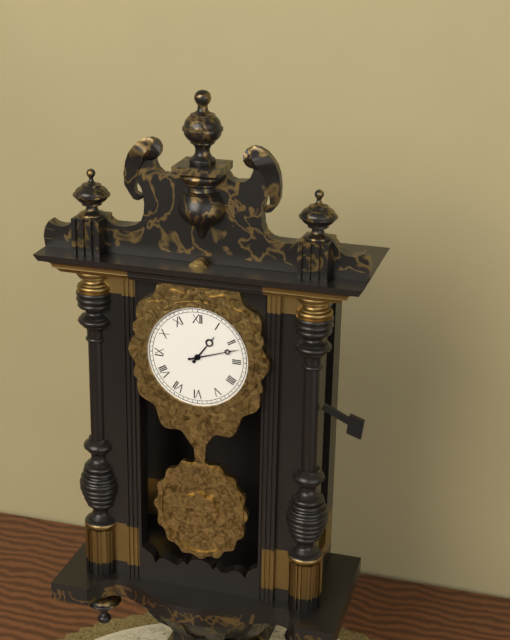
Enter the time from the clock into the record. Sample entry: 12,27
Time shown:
1,12
